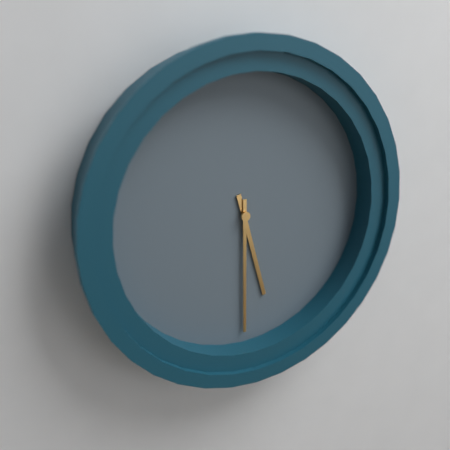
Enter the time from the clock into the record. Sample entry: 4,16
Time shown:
5,30
